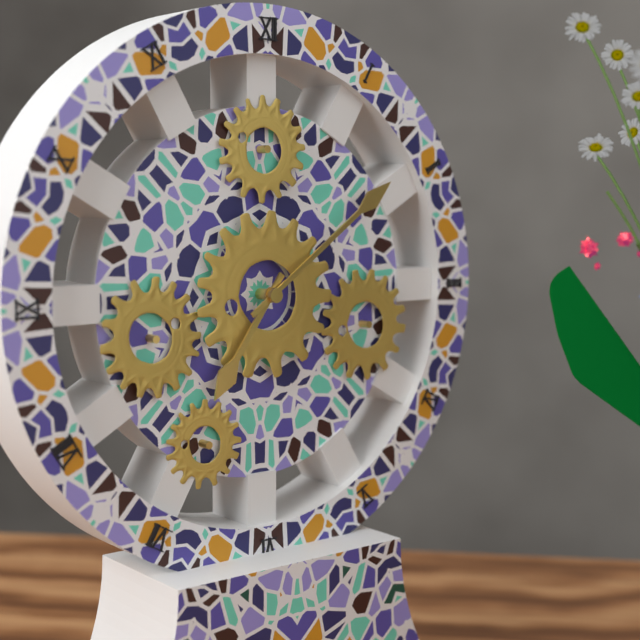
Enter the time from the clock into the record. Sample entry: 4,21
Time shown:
7,09
